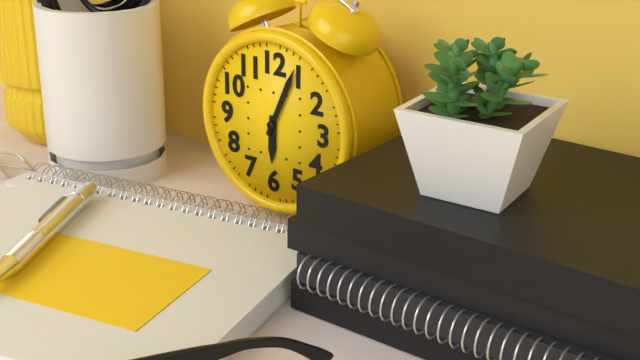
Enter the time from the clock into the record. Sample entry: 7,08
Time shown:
6,04
